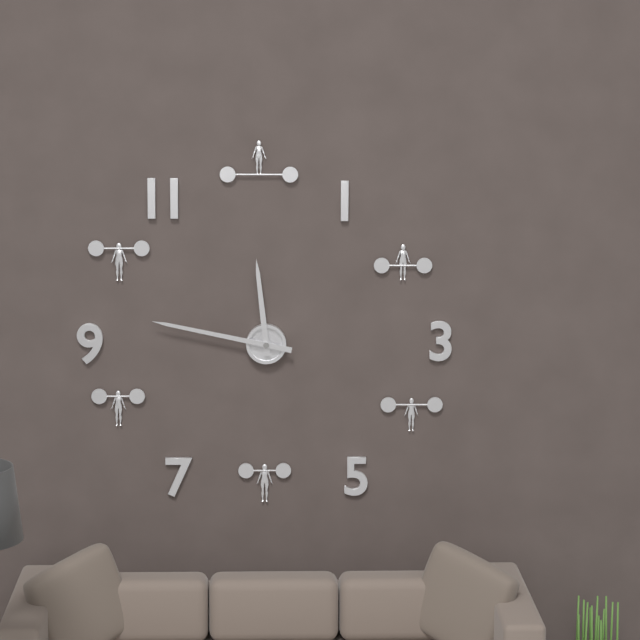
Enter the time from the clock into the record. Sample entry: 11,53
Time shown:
11,47
